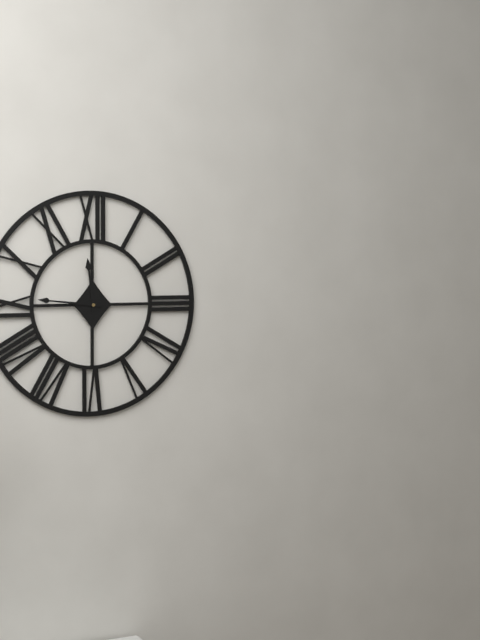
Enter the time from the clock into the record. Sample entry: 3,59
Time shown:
11,46
